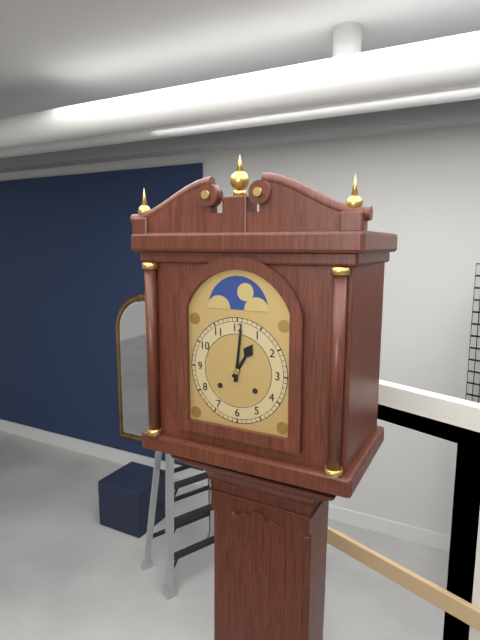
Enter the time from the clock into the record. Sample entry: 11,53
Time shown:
1,01
